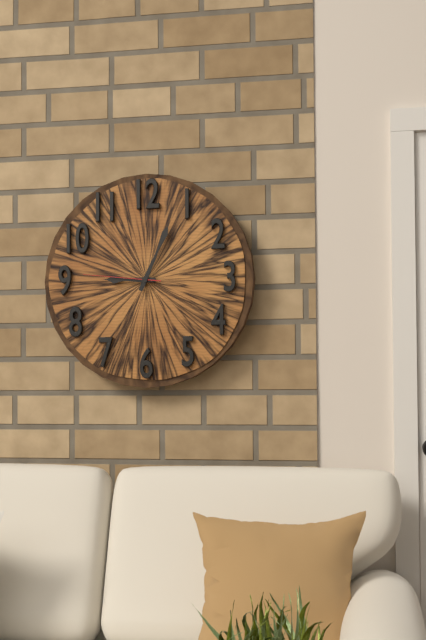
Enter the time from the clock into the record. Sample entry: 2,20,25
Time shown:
9,04,46
